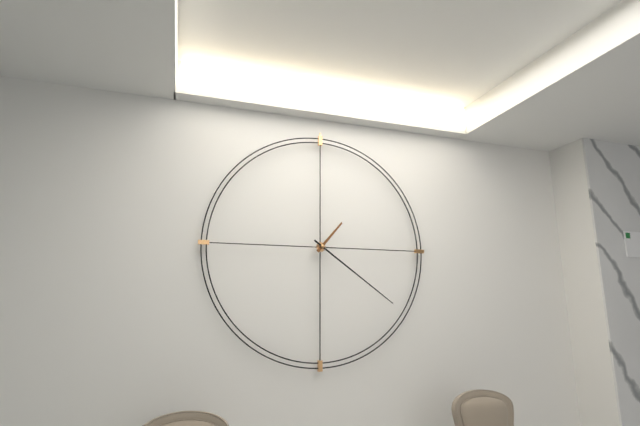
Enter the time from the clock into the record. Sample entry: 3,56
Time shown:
1,21
